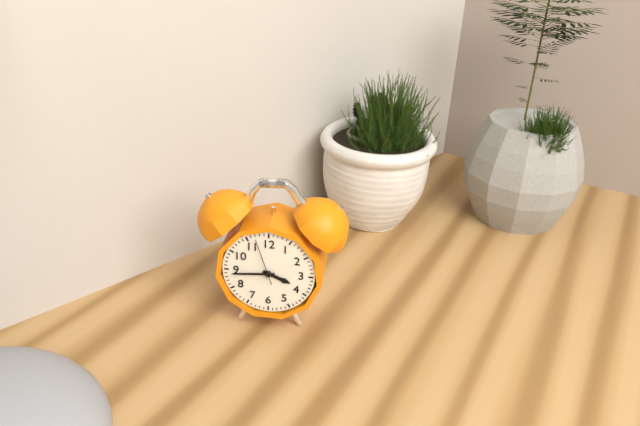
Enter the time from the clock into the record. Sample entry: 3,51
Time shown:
3,44
